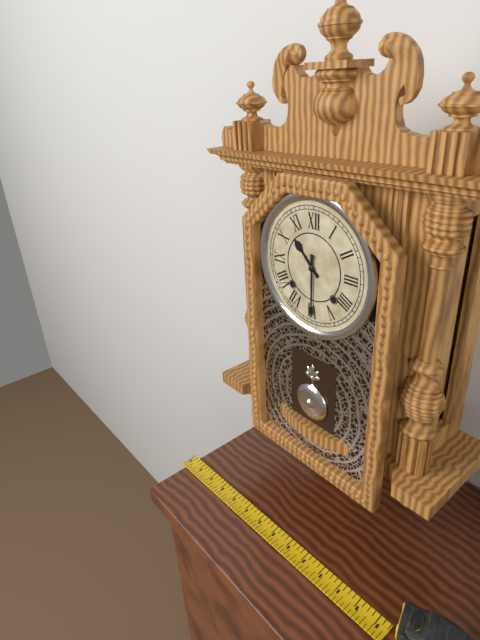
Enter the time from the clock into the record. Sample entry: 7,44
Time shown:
10,30
